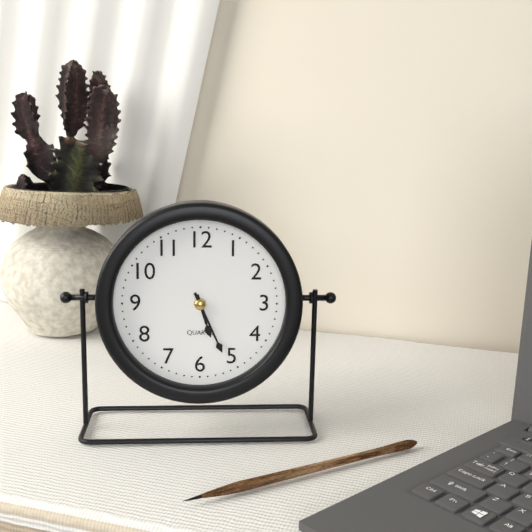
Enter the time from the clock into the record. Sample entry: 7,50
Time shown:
5,26
